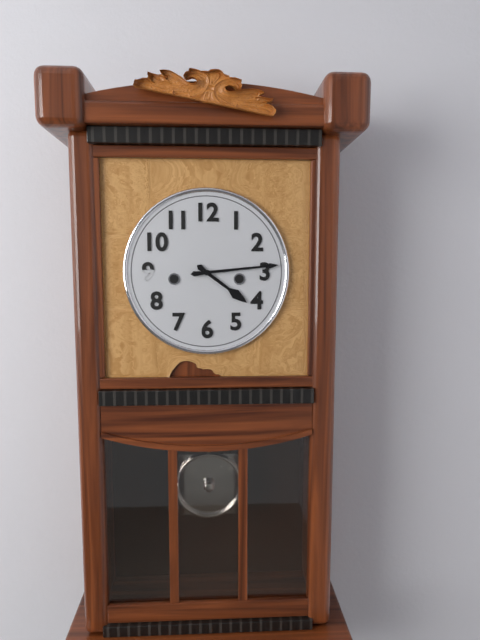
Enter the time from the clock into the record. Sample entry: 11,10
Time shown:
4,14
